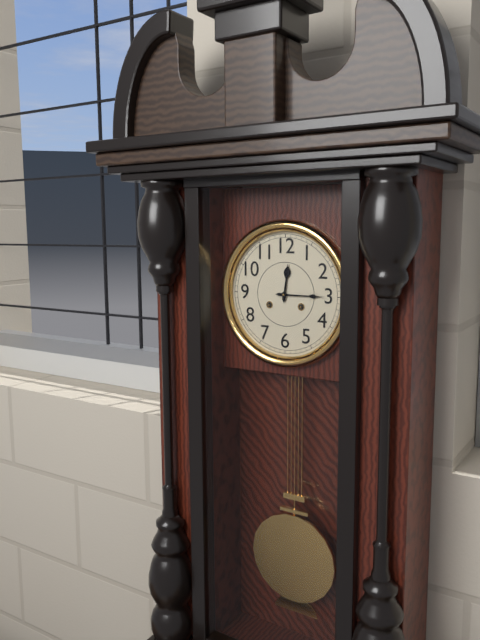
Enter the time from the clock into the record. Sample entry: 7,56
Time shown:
12,15
